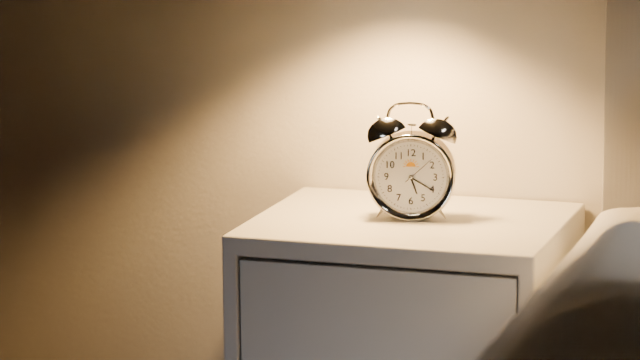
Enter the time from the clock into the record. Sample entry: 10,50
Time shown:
5,20
